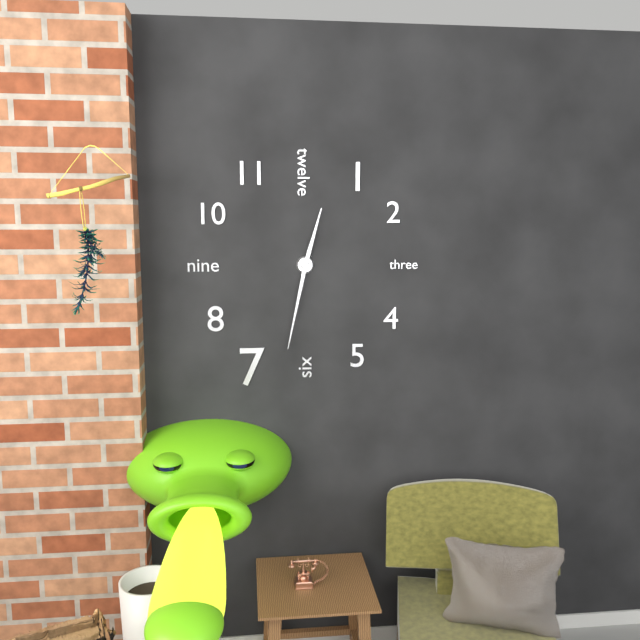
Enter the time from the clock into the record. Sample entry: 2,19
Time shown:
12,32
